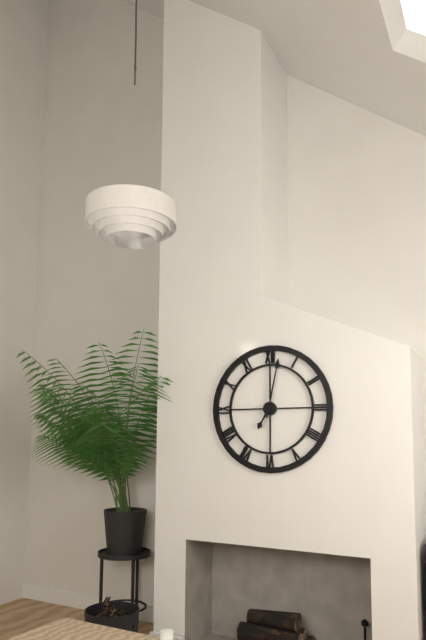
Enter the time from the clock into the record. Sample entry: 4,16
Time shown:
7,02
